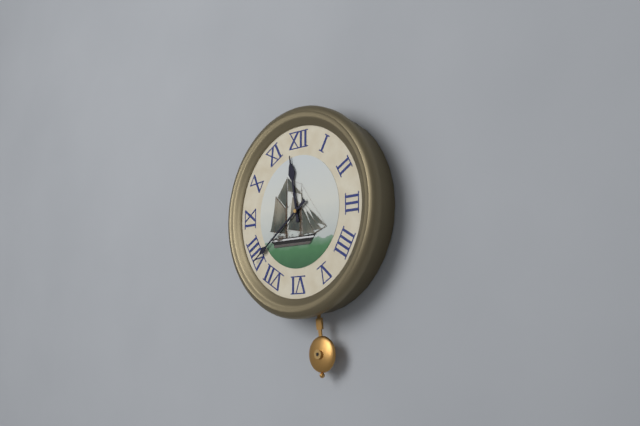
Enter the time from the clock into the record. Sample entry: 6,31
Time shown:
11,39
